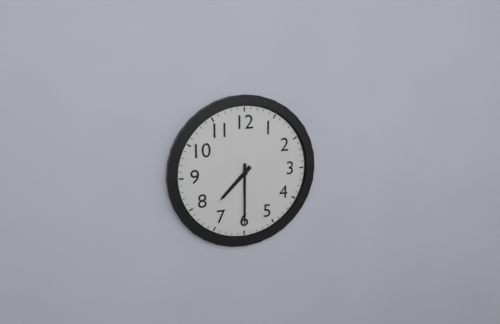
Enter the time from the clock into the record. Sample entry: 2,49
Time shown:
7,30
